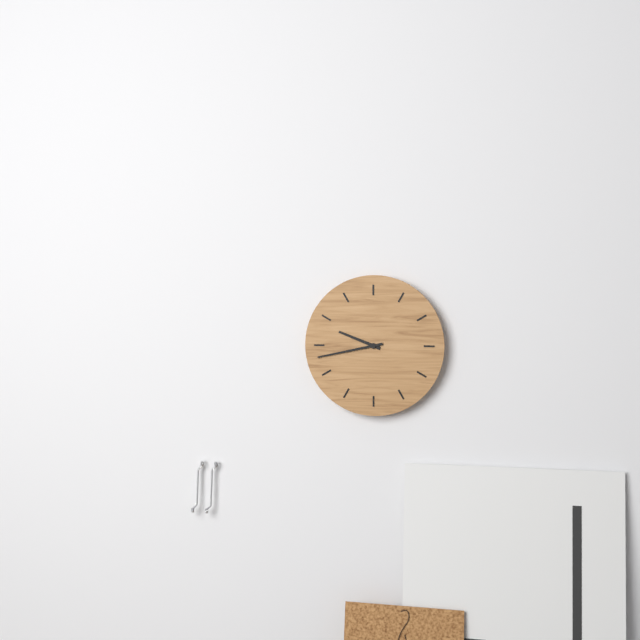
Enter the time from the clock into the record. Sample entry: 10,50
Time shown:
9,43
